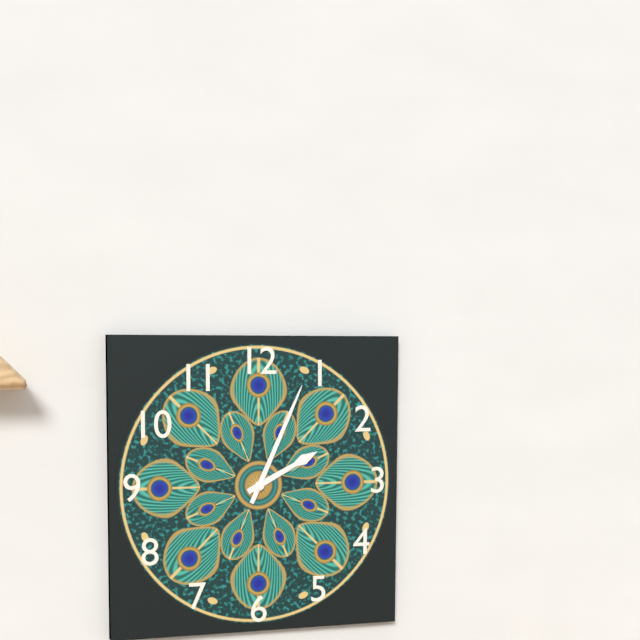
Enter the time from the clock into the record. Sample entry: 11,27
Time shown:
2,04
